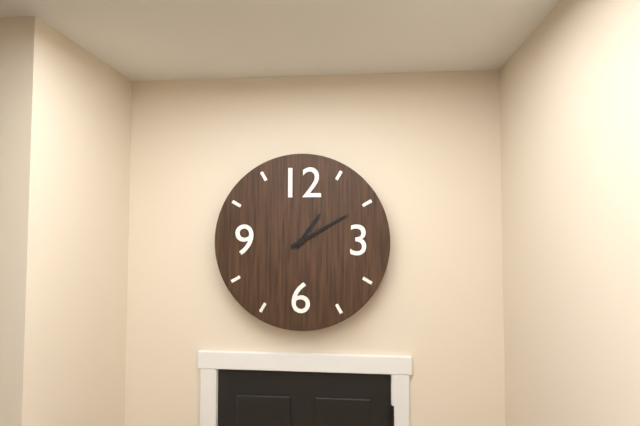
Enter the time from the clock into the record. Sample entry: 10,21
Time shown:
1,10
